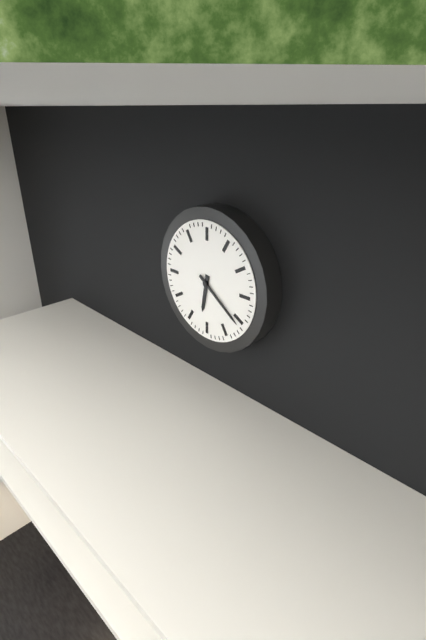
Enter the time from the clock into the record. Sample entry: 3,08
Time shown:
6,21
